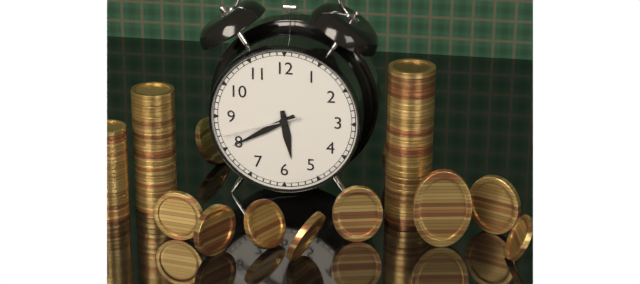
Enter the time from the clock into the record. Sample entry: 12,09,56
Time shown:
5,40,42
